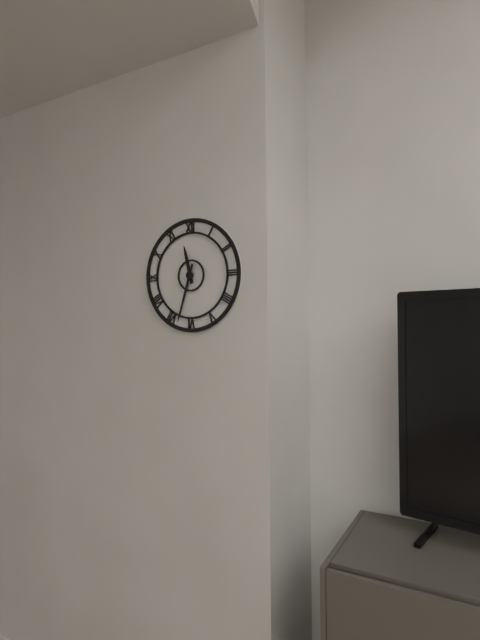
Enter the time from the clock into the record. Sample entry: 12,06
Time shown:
11,33
